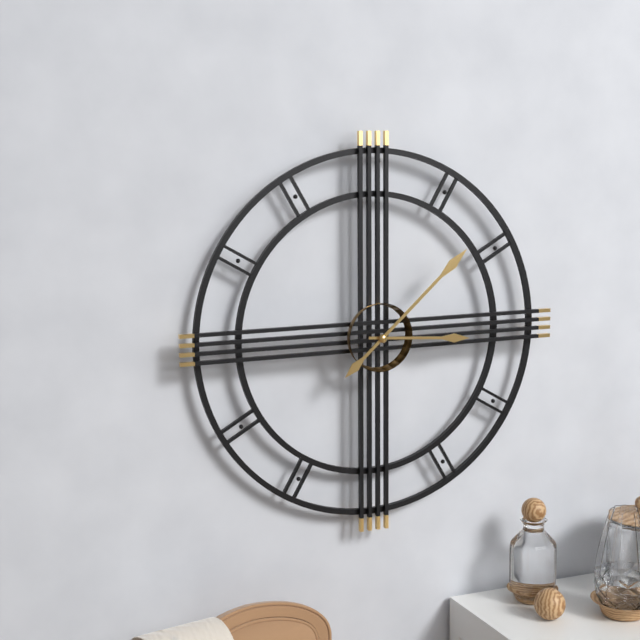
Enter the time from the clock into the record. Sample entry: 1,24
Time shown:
3,08
